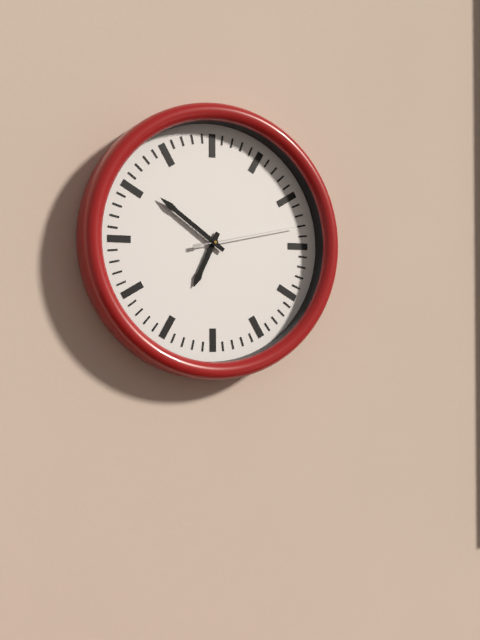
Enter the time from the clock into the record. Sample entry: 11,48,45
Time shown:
6,51,13
